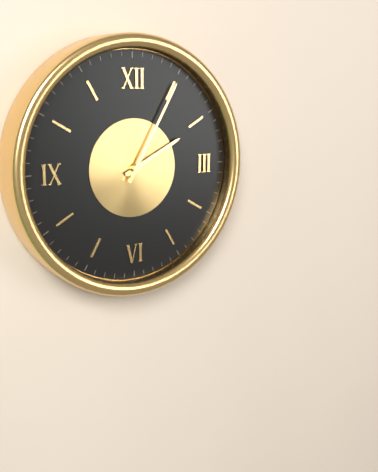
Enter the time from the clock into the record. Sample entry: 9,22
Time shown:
2,05
